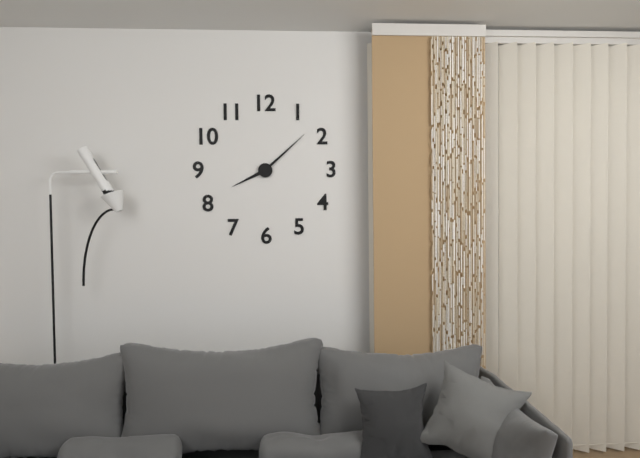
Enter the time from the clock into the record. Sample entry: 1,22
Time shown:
8,08
